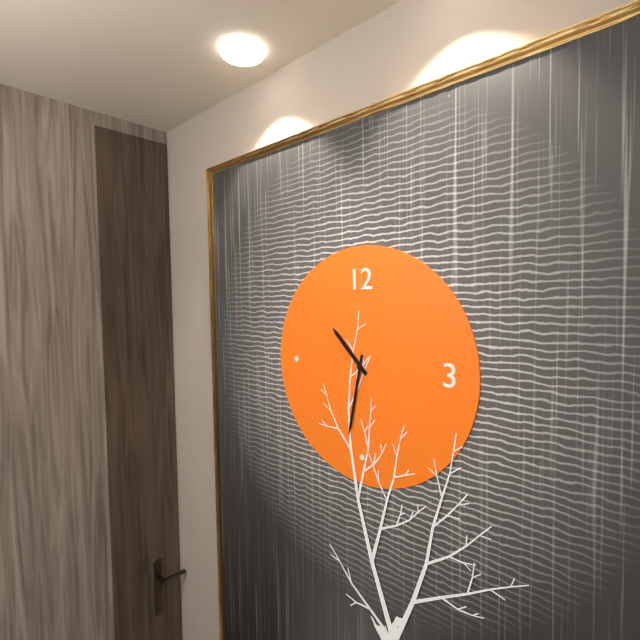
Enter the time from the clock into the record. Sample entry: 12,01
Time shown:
10,32
